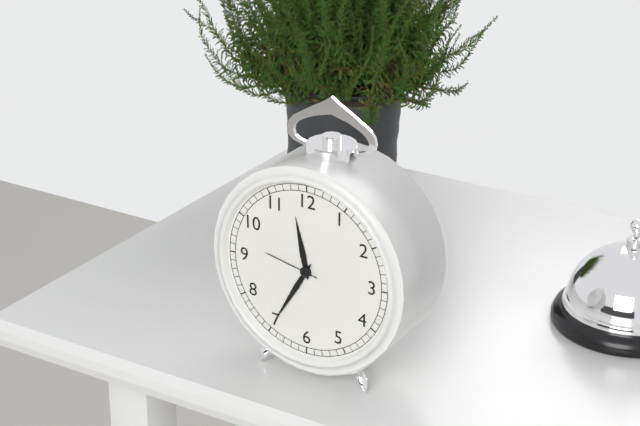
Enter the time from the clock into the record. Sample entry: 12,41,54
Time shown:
11,35,47
